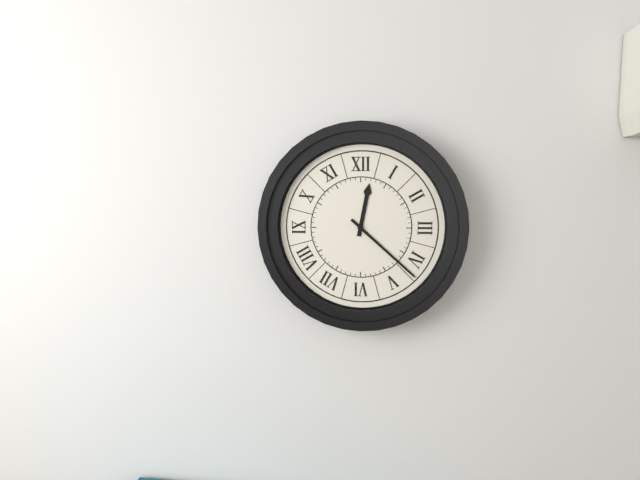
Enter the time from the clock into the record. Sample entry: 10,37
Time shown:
12,22
